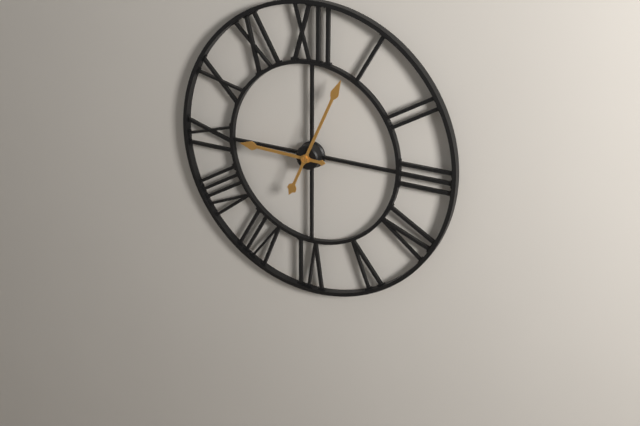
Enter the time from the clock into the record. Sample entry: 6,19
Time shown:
9,04
